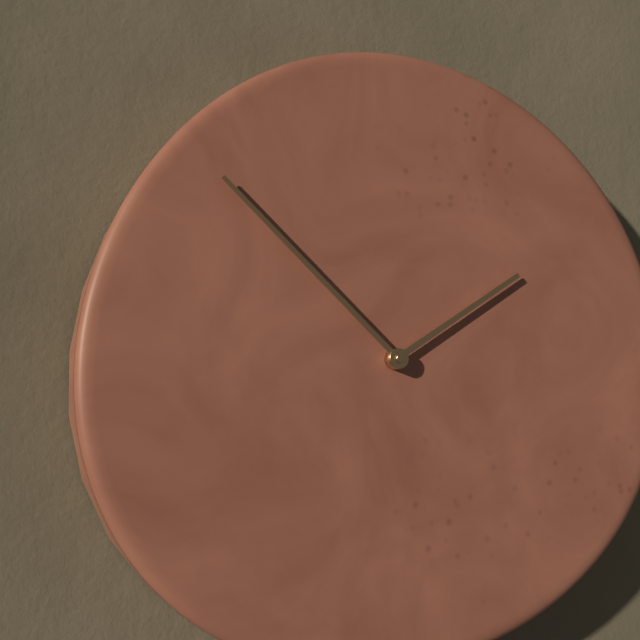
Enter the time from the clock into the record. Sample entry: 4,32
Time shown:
1,52
